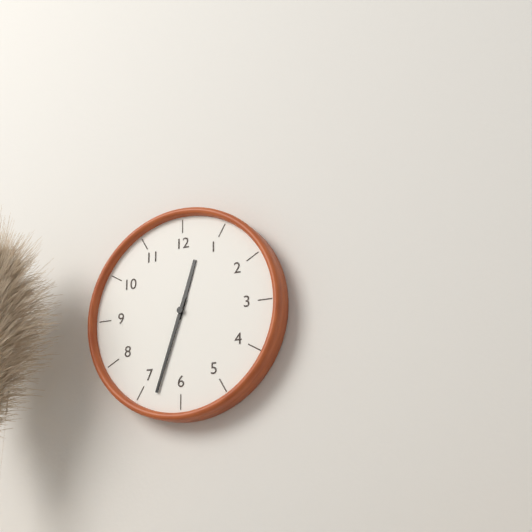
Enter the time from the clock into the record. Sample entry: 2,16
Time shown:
12,33
